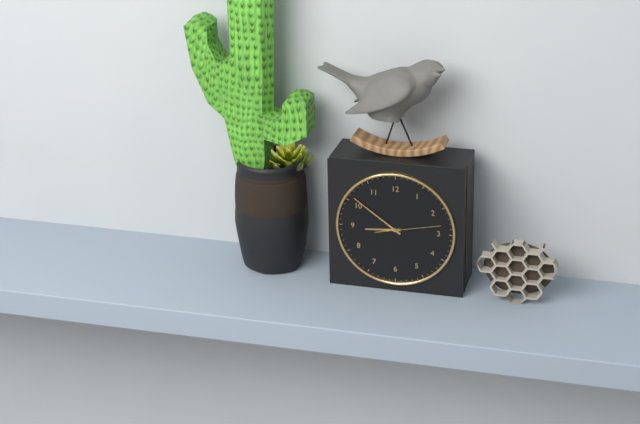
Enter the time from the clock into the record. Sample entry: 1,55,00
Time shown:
8,51,13
